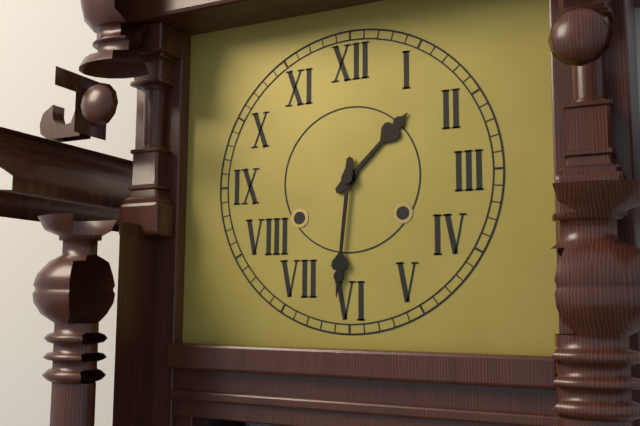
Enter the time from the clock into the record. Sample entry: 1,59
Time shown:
1,31
